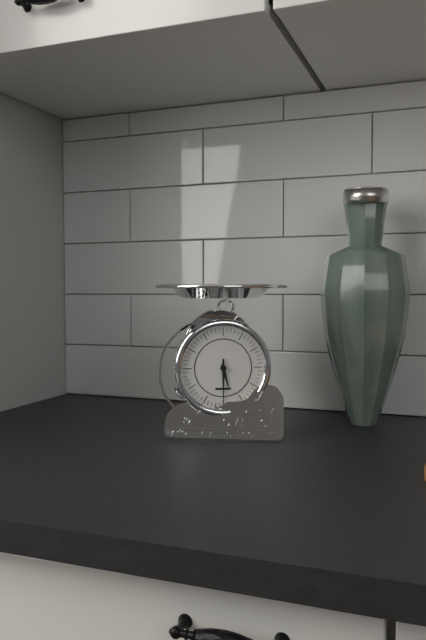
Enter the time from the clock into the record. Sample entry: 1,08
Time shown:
5,30
